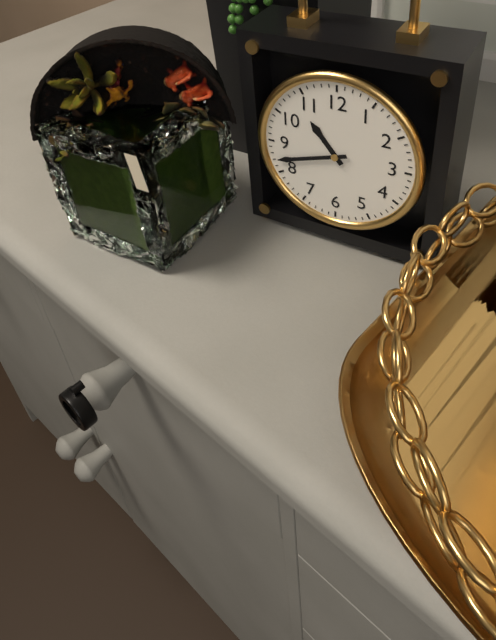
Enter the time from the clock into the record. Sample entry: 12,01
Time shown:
10,42
